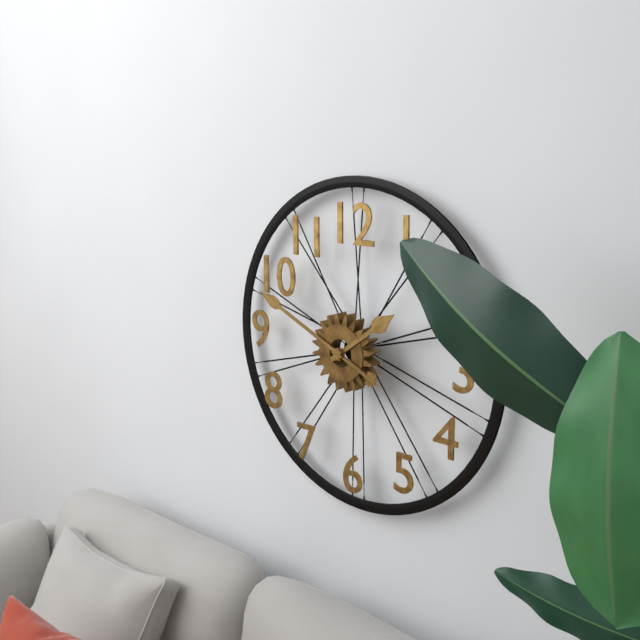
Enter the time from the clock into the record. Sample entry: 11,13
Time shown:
1,49
